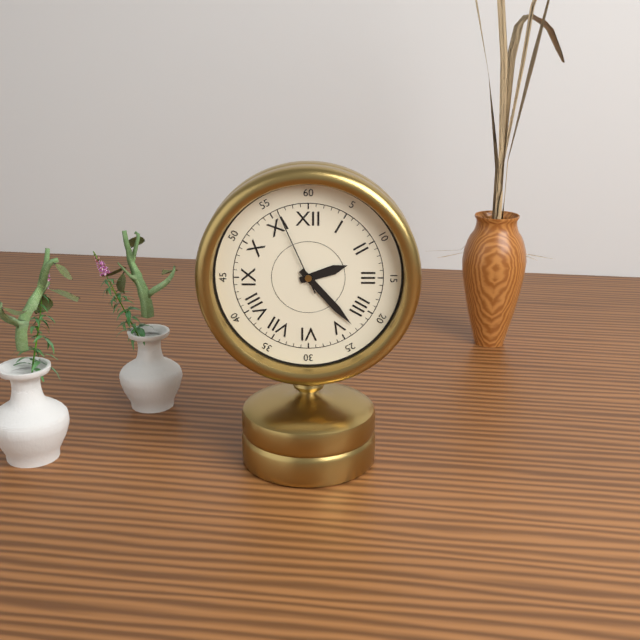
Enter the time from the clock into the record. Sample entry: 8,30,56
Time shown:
2,23,56
